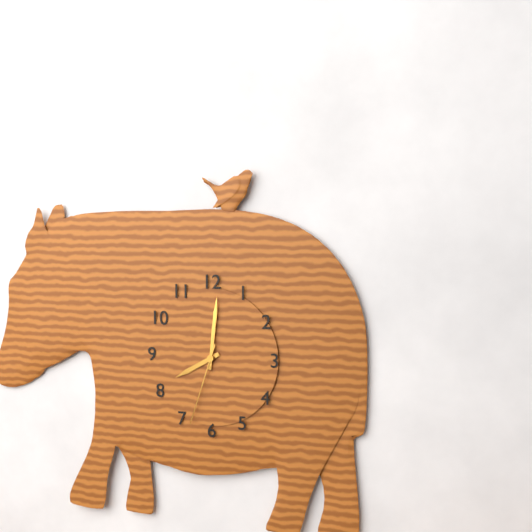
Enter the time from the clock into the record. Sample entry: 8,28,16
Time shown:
8,01,33
